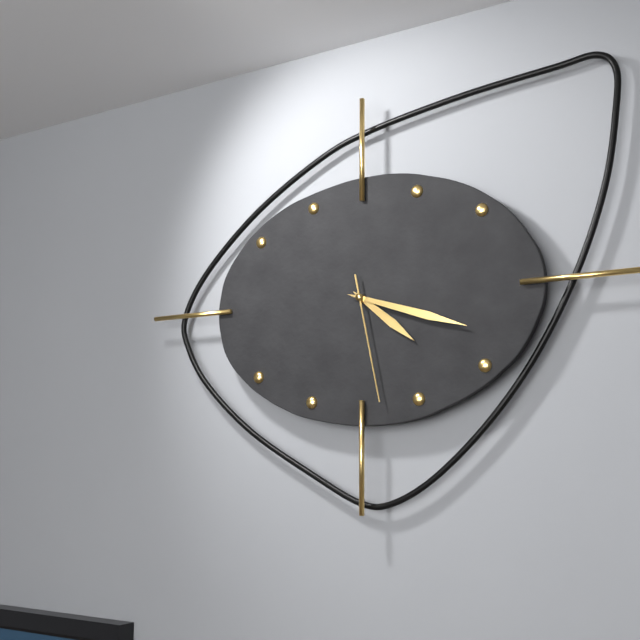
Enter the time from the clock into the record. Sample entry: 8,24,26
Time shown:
4,18,28
